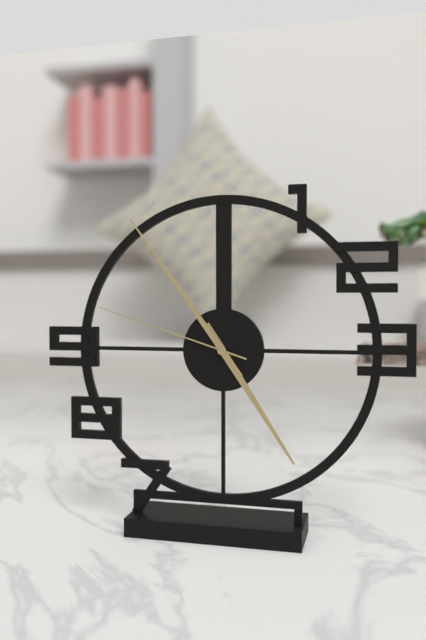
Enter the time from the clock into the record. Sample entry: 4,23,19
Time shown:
4,54,48
